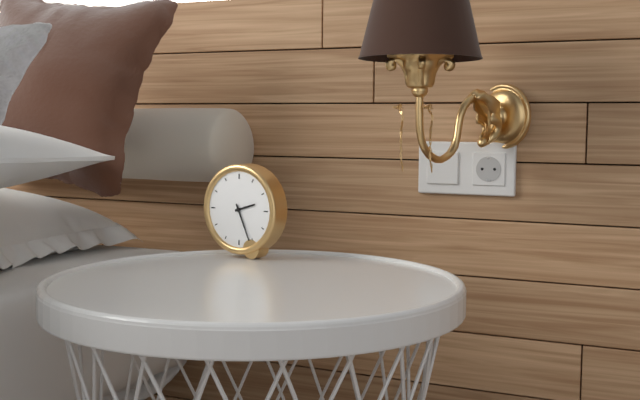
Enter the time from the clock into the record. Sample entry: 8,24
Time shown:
2,26
